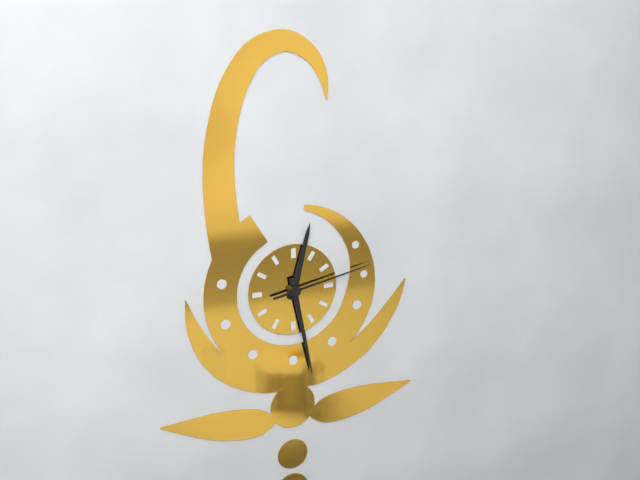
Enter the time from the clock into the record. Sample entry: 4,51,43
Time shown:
12,28,13
